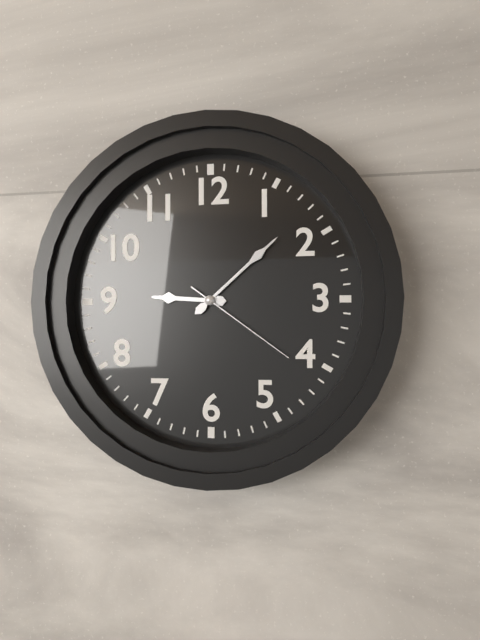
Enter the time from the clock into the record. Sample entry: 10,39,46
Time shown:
9,08,21
